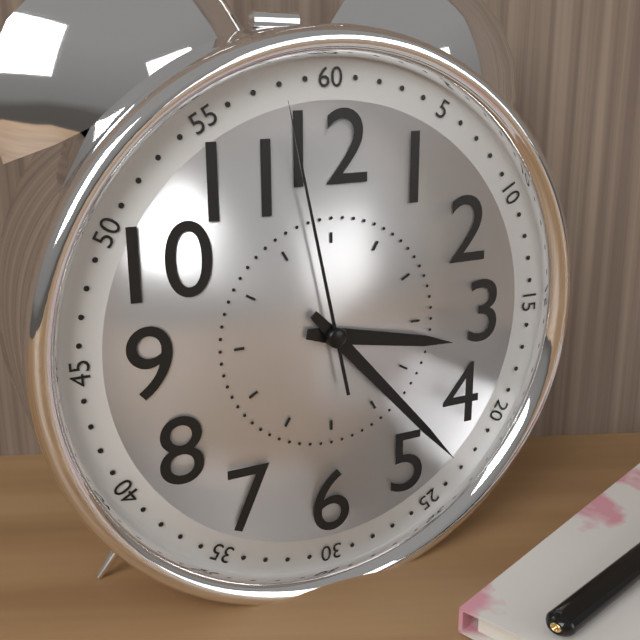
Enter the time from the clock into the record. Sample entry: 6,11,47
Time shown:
3,23,58
